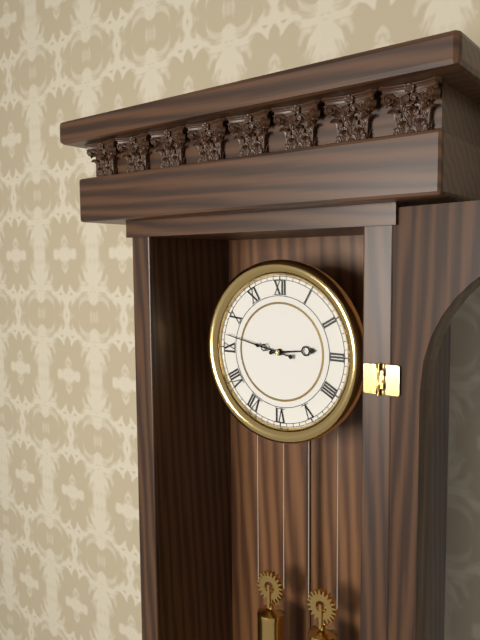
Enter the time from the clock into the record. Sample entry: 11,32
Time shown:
2,47
